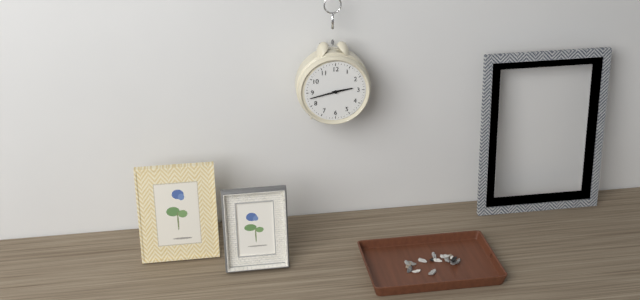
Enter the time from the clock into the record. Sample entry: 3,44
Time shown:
2,43
